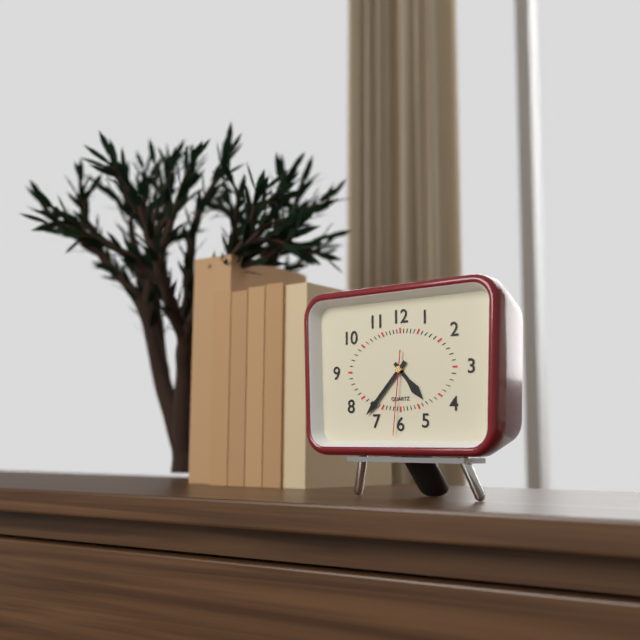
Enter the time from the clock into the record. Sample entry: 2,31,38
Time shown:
4,37,31
